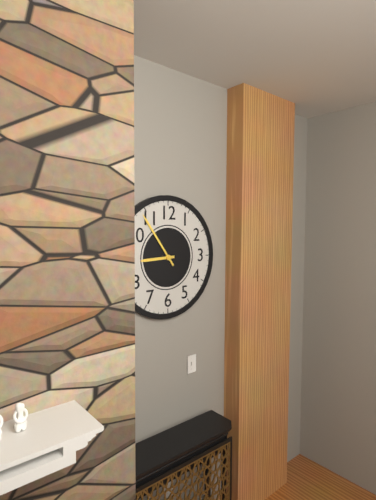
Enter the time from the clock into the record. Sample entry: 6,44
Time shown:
8,54
